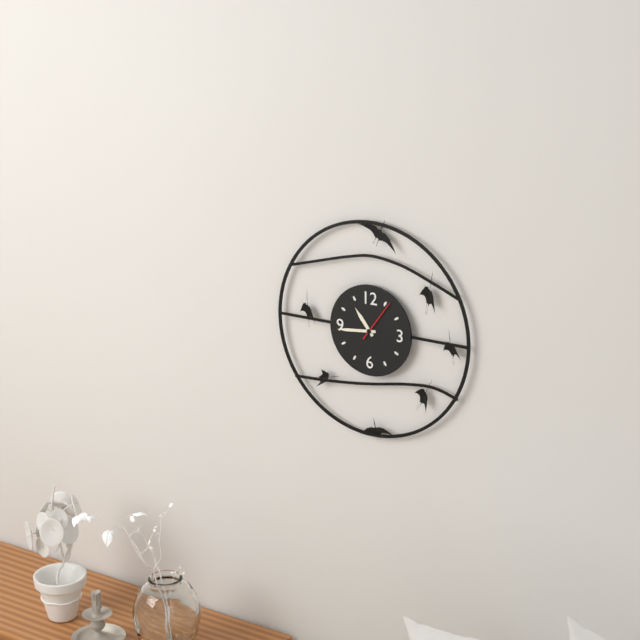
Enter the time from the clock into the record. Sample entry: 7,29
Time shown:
10,44
